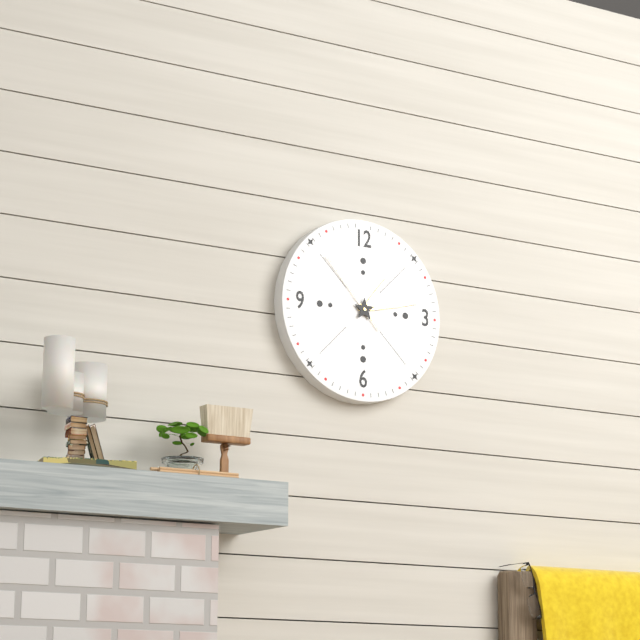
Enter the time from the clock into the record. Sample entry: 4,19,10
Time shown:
1,13,53
